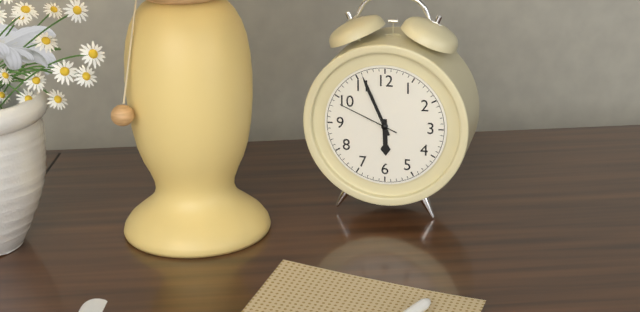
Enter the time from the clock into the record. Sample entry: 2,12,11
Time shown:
5,56,49
